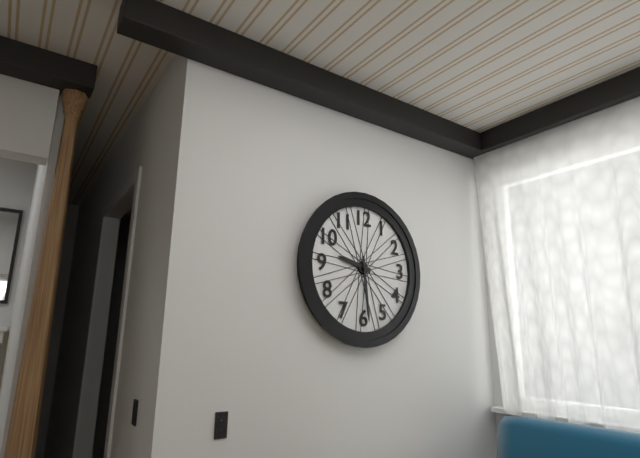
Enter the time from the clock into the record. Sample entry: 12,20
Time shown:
9,29
